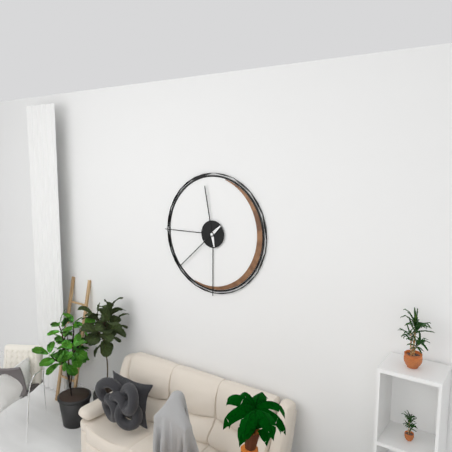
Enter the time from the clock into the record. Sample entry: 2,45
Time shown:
11,38
